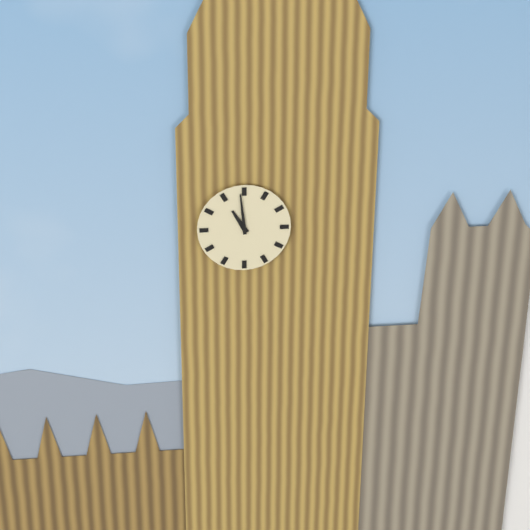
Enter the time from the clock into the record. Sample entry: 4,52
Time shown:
10,59
